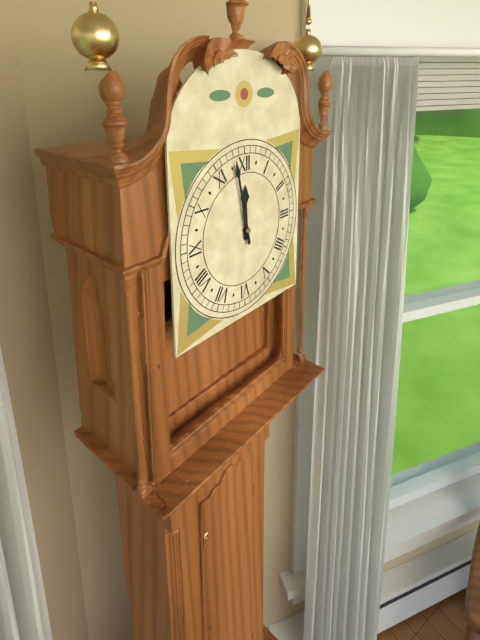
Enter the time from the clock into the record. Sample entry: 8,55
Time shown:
11,58
